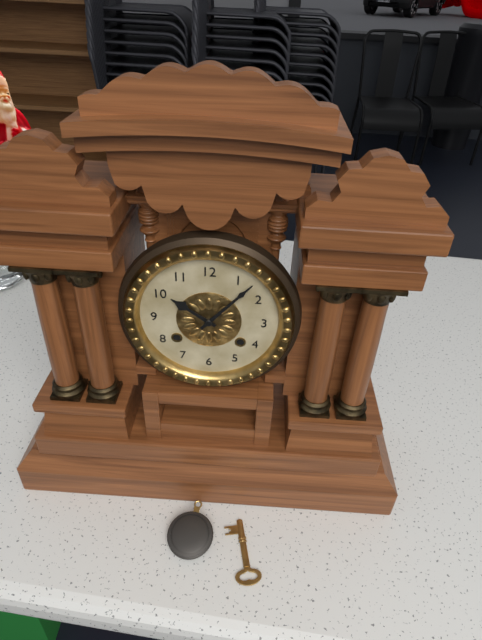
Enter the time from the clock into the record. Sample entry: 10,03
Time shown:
10,07
